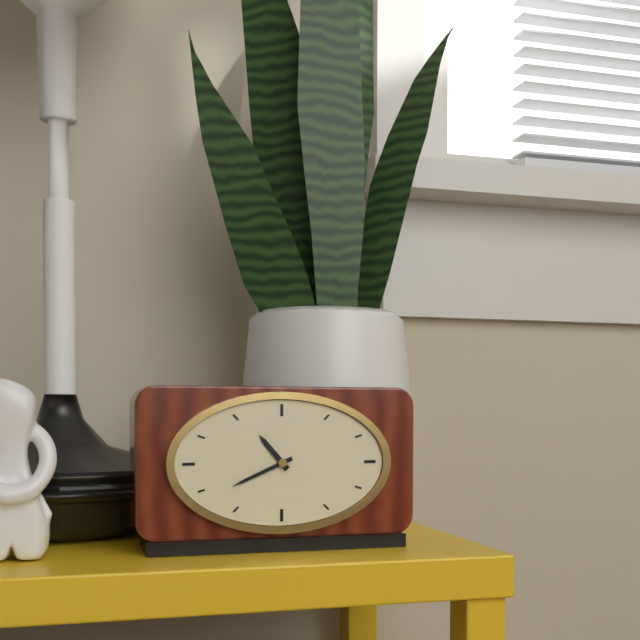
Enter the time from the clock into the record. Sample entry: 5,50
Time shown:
10,41
